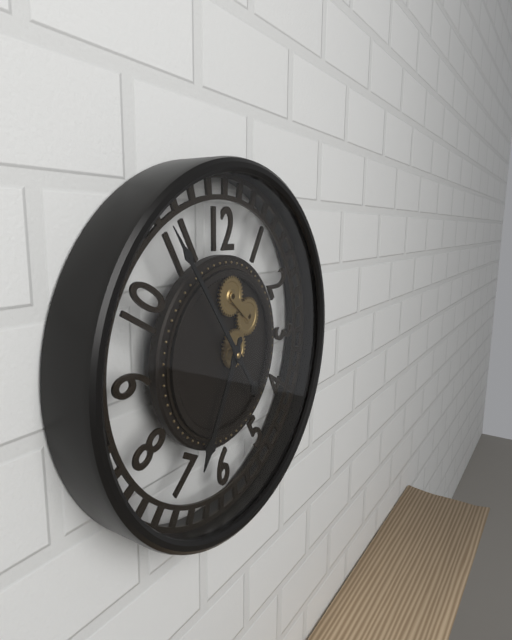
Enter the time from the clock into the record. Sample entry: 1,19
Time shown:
6,54
